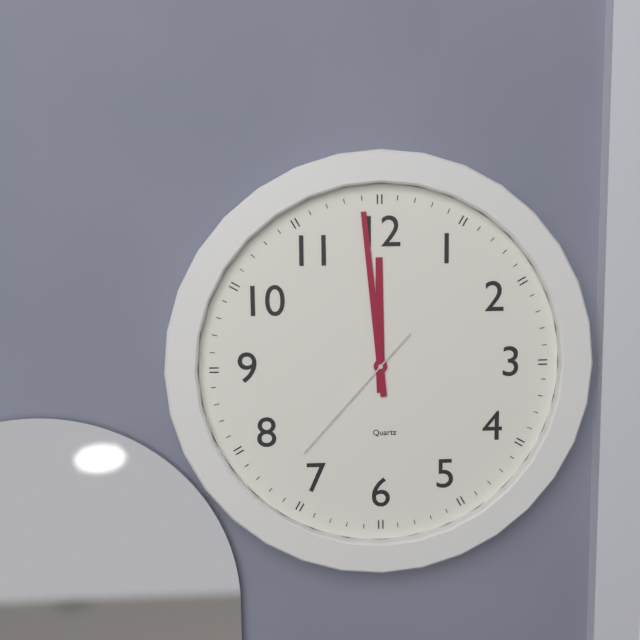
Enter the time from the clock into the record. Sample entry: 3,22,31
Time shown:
11,59,37
